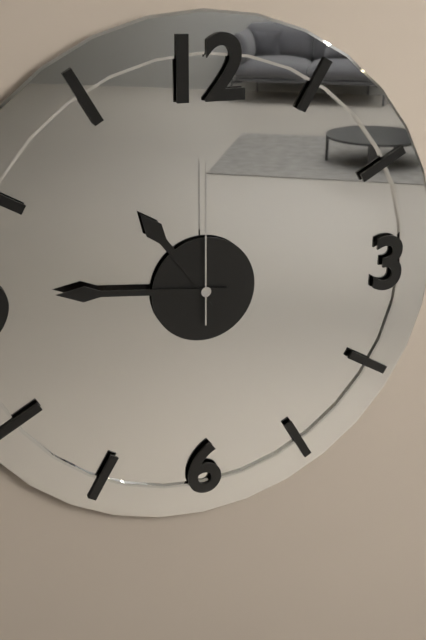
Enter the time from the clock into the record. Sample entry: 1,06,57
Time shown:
10,46,00
